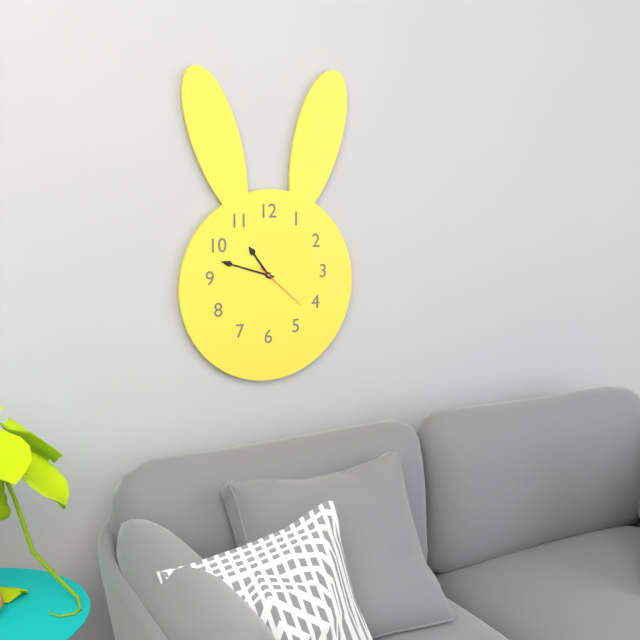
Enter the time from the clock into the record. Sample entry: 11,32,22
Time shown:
10,48,22
